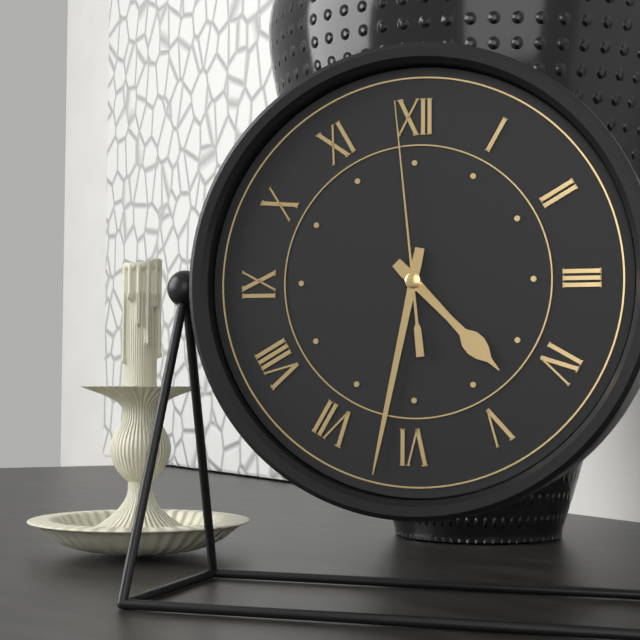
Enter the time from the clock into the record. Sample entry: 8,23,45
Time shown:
4,32,59
